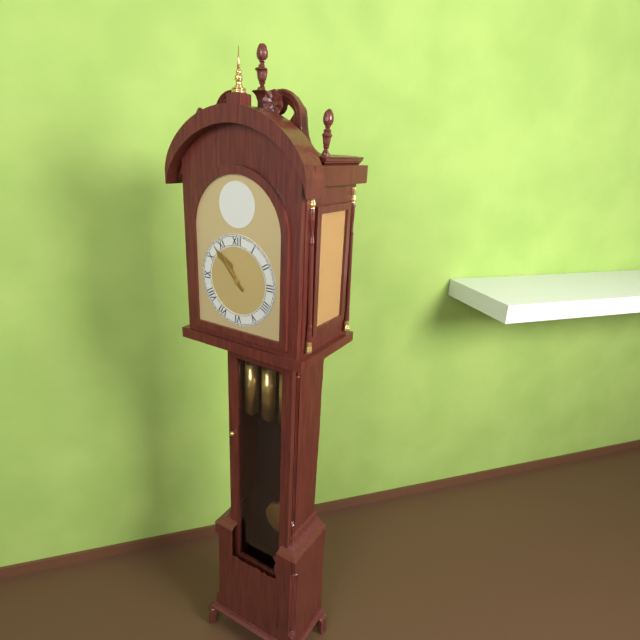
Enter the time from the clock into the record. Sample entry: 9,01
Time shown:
10,53
